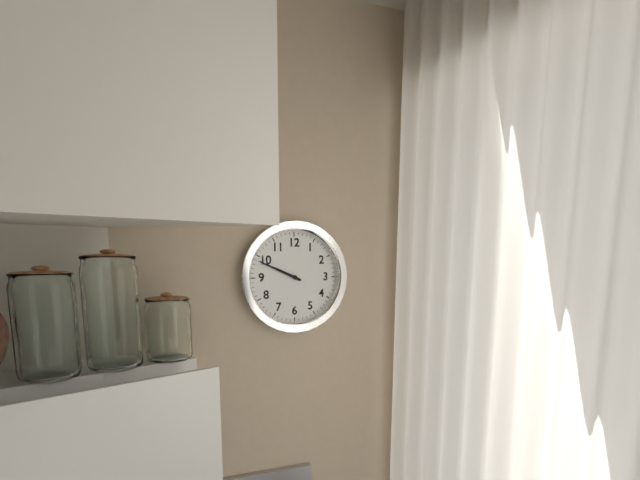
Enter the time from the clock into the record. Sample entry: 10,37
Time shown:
9,49
